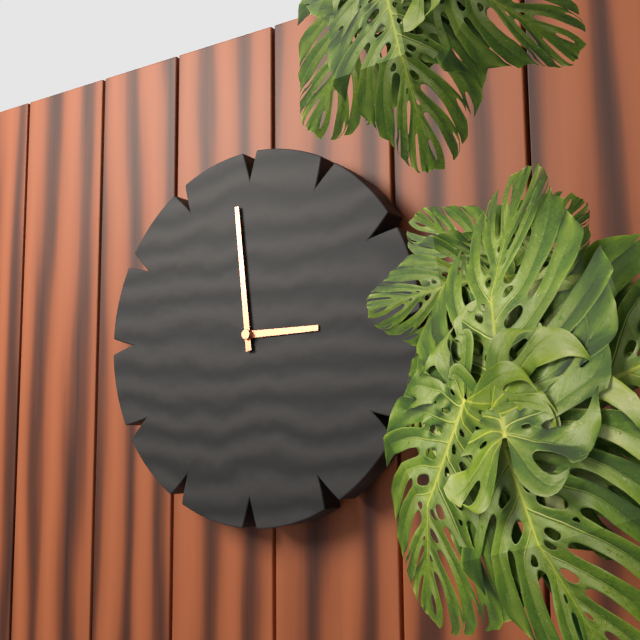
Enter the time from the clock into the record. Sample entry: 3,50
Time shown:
2,59
